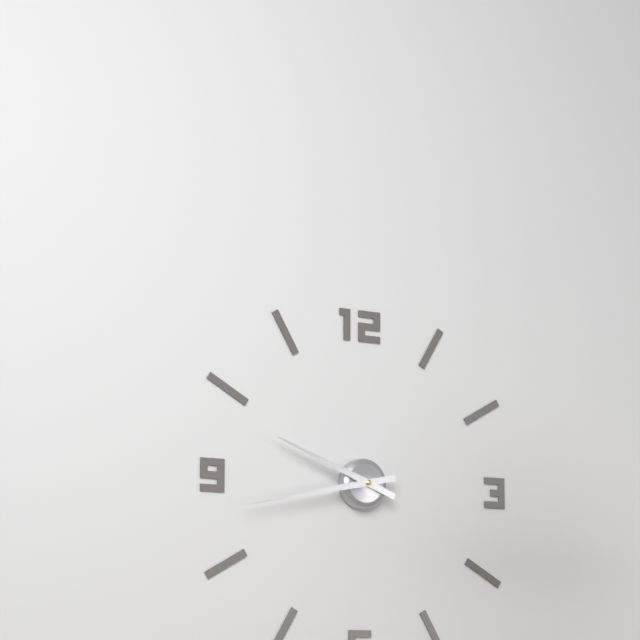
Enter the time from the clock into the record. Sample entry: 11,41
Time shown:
9,43
